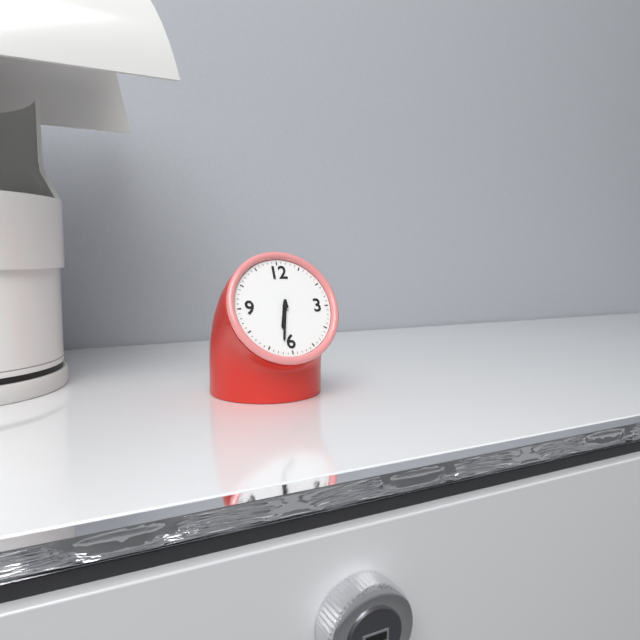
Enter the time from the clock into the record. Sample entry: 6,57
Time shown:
6,32
